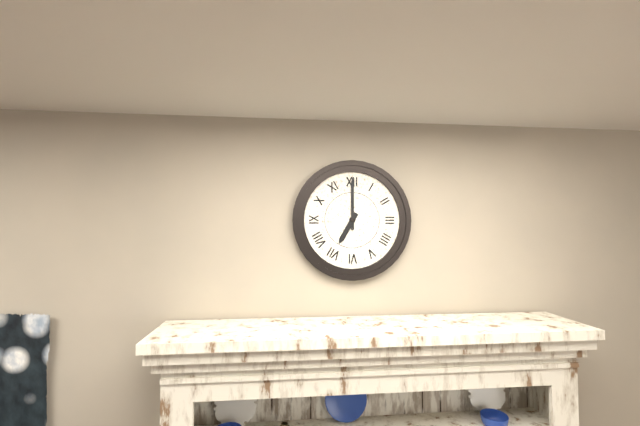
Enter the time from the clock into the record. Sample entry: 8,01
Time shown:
7,00
